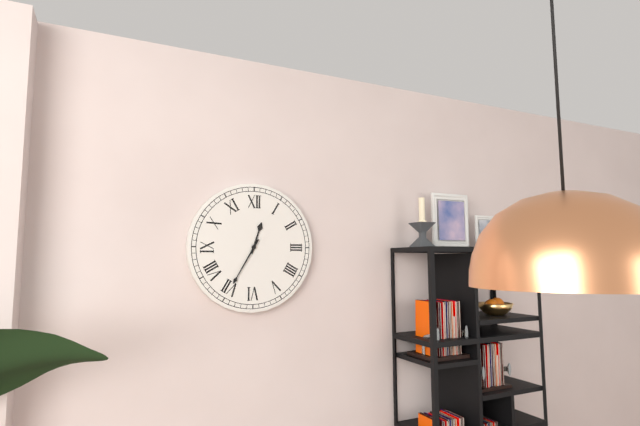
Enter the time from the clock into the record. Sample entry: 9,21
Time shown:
12,35
